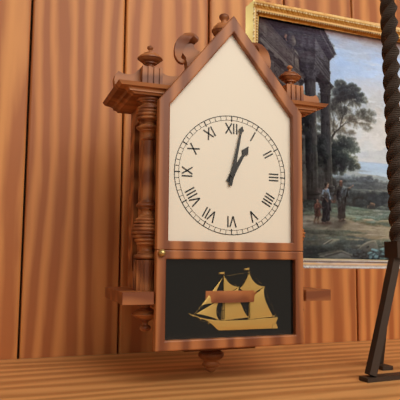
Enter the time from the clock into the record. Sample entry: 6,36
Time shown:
1,02
